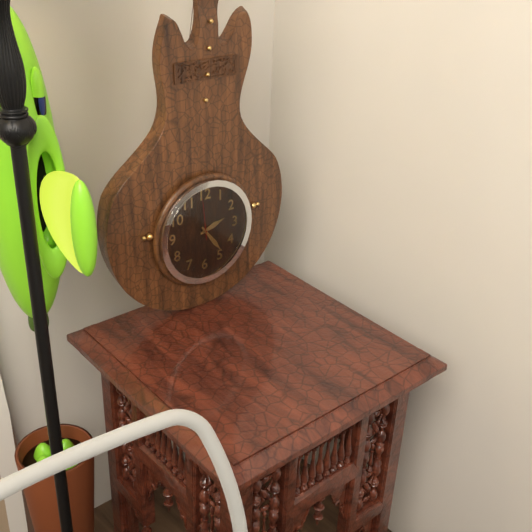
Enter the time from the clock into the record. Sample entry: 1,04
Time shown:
2,24
